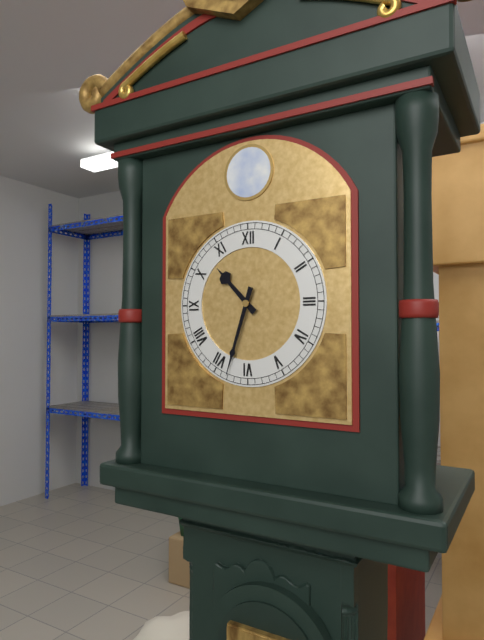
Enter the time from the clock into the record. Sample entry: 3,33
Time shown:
10,33
